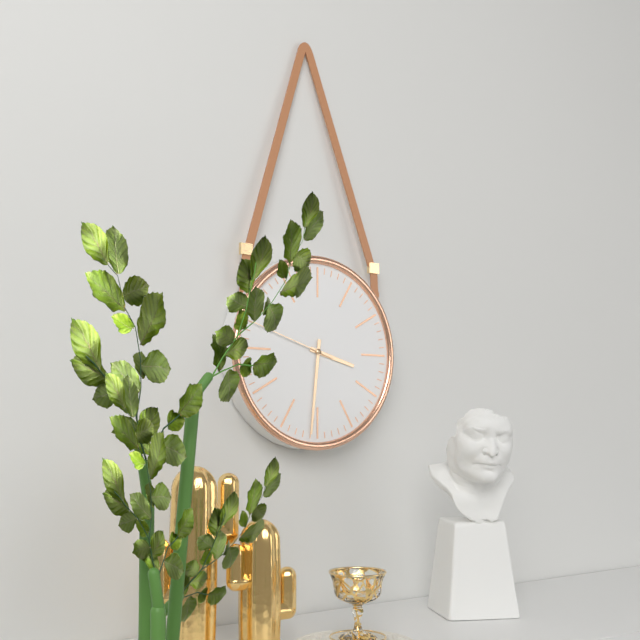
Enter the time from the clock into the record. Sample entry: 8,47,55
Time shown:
3,31,48
